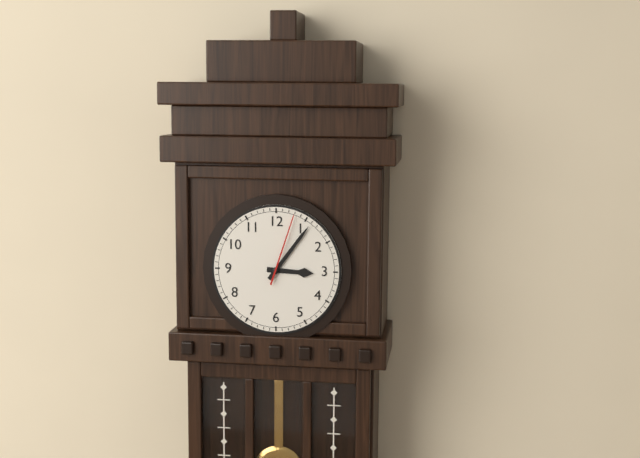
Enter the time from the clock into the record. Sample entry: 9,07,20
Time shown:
3,06,03
